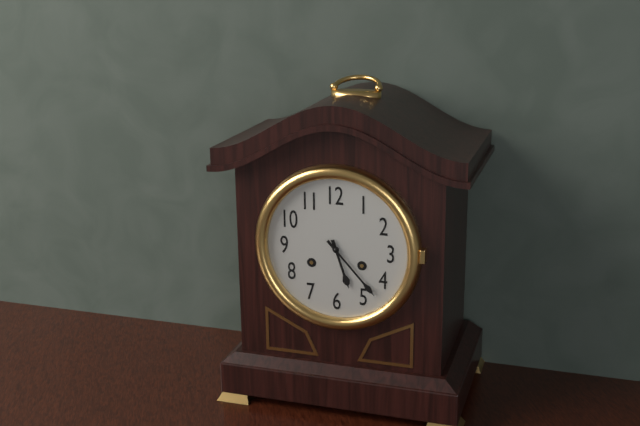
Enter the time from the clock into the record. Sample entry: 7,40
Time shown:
5,23
